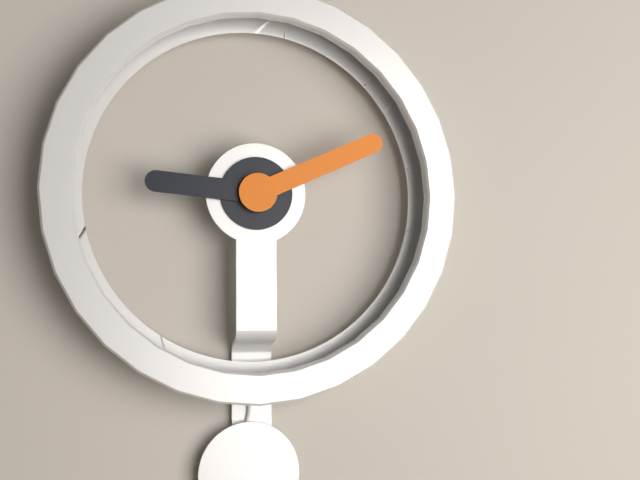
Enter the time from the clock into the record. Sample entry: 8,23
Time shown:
9,11
